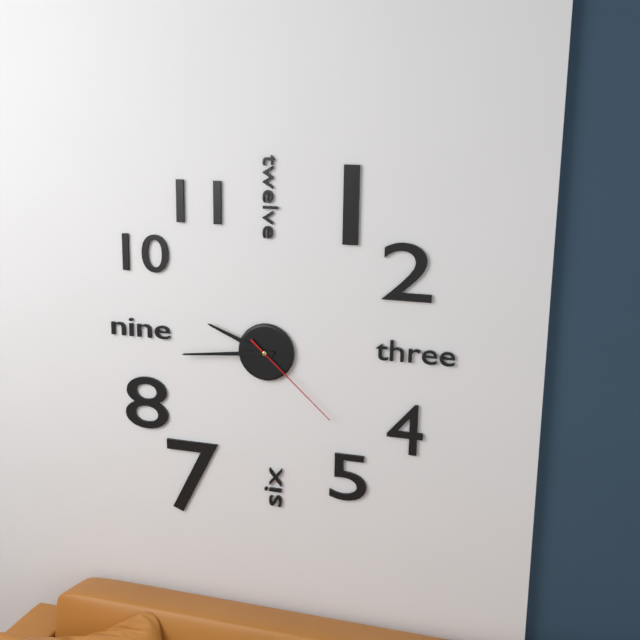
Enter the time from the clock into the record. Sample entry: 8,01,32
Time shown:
9,44,22
